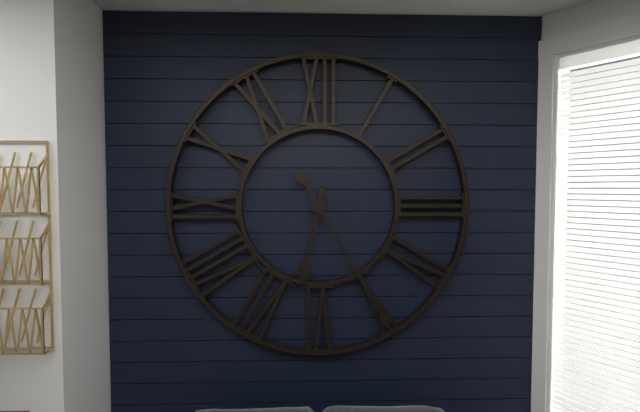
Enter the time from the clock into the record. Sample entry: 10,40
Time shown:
6,25
